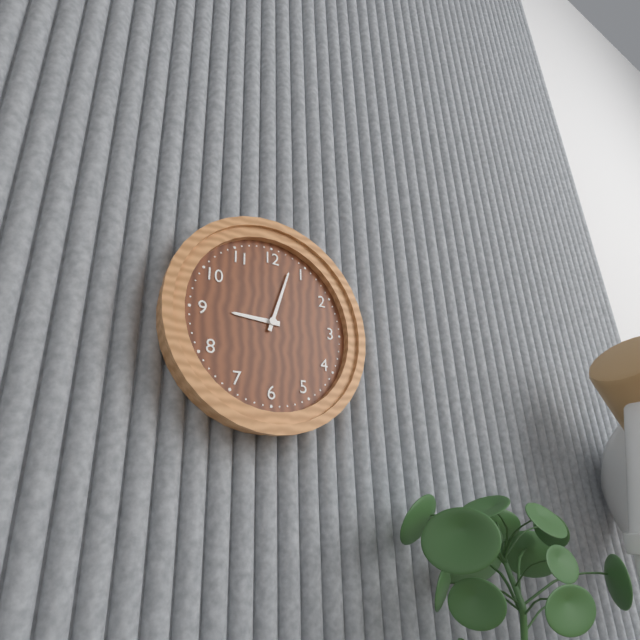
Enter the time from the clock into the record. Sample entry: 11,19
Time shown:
9,03
